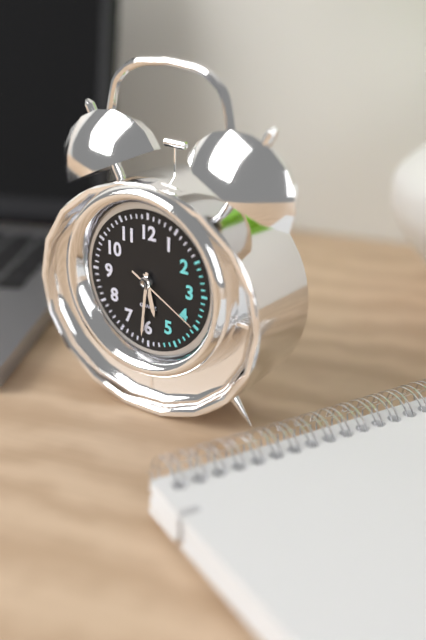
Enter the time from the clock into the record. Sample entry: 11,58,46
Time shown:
5,31,20
